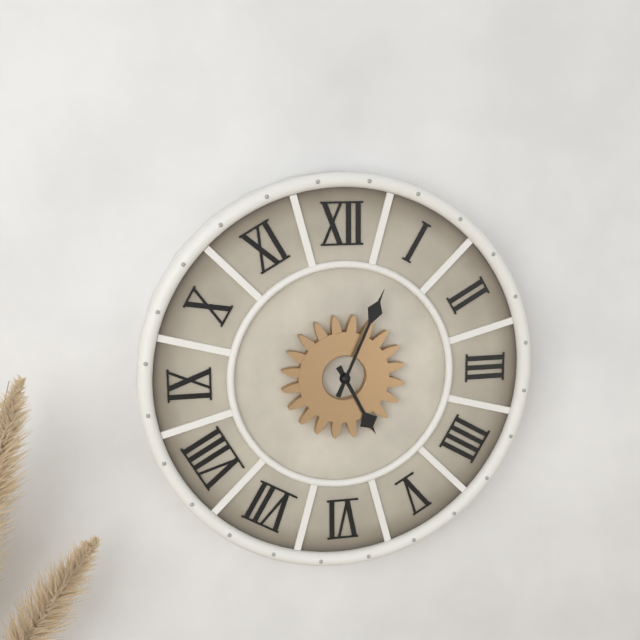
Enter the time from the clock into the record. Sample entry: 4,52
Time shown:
5,04
